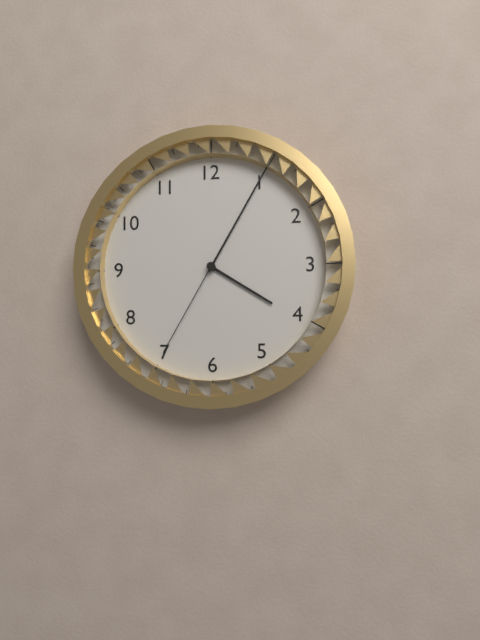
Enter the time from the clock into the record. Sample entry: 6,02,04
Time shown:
4,05,35
